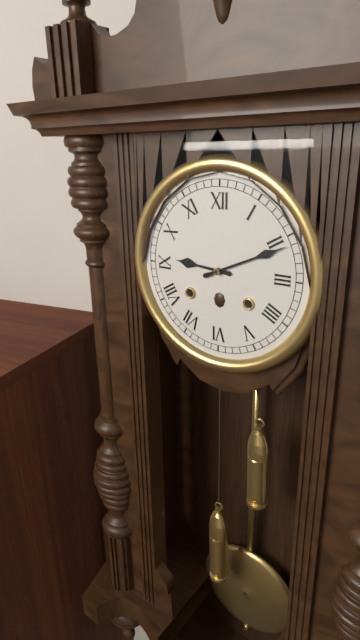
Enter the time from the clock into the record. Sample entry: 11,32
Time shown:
9,11
